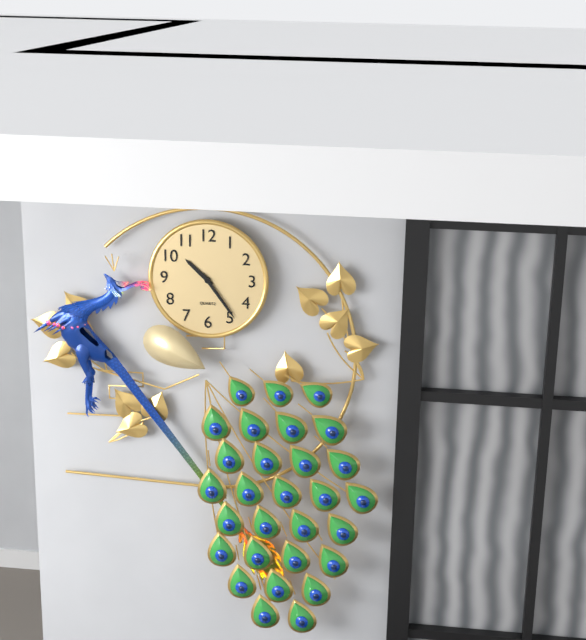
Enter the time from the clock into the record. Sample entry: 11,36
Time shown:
10,24
